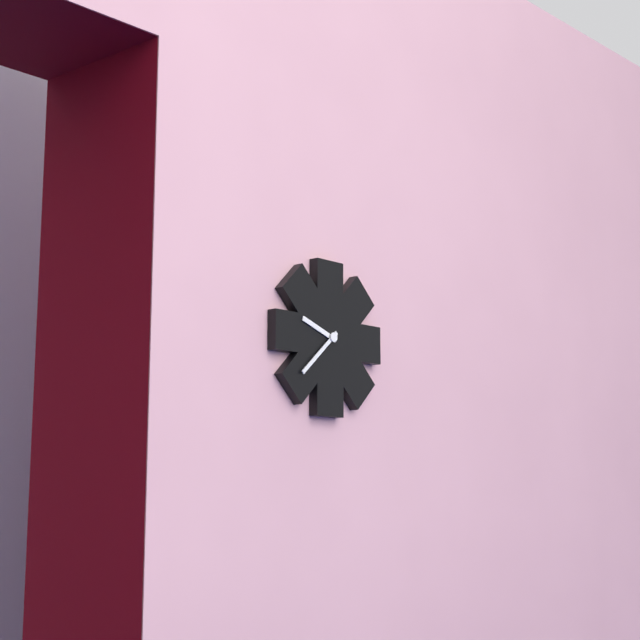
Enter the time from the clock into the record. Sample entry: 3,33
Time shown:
9,38
